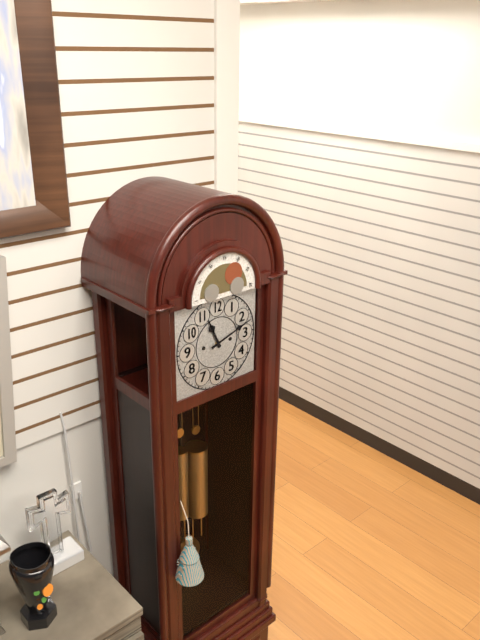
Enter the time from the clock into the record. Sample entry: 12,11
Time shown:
11,12
